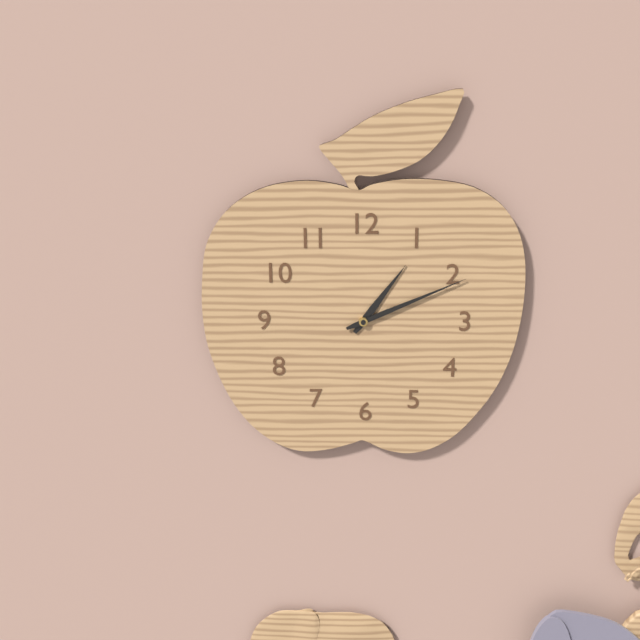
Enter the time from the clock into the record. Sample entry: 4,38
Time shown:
1,11
